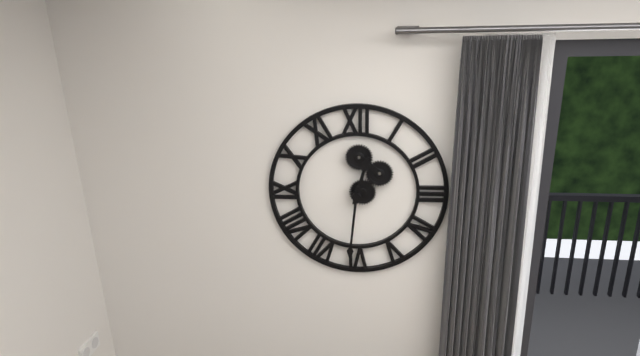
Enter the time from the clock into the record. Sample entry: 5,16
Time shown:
12,31
